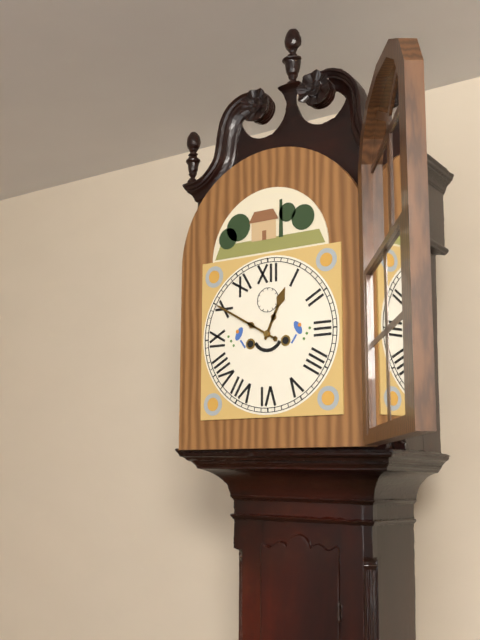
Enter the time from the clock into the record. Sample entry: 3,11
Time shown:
12,50
